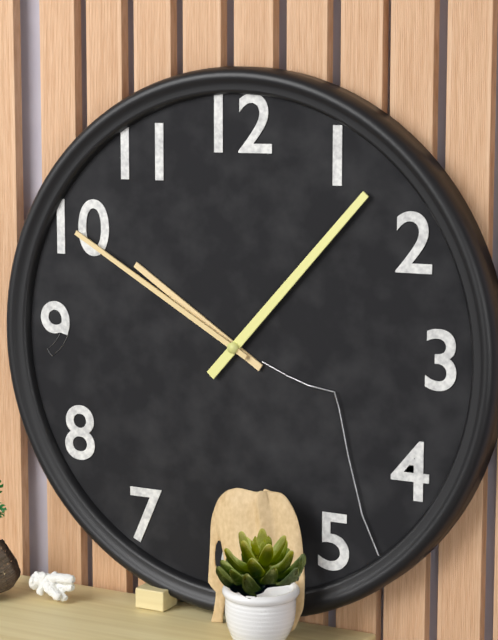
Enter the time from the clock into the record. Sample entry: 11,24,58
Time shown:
10,07,50
